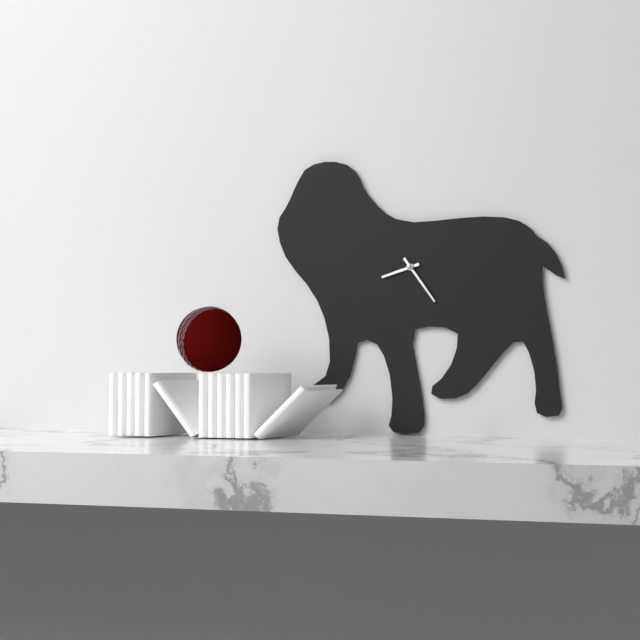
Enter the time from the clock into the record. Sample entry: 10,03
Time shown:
8,24
